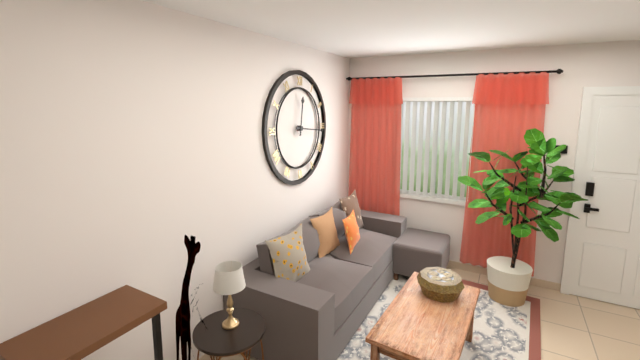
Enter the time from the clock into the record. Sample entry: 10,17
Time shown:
12,16
